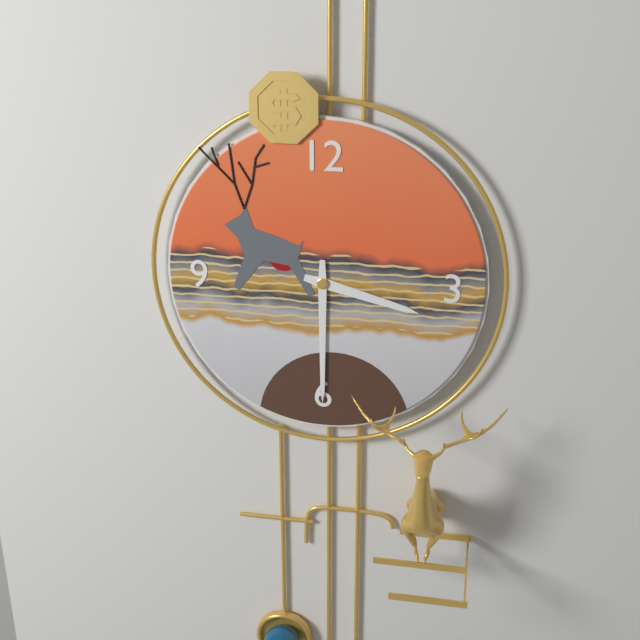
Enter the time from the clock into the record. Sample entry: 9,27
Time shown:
3,30
